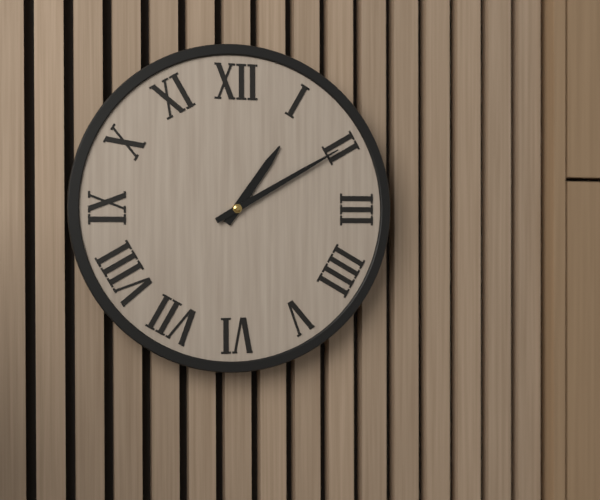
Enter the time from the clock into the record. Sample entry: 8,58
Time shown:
1,10
